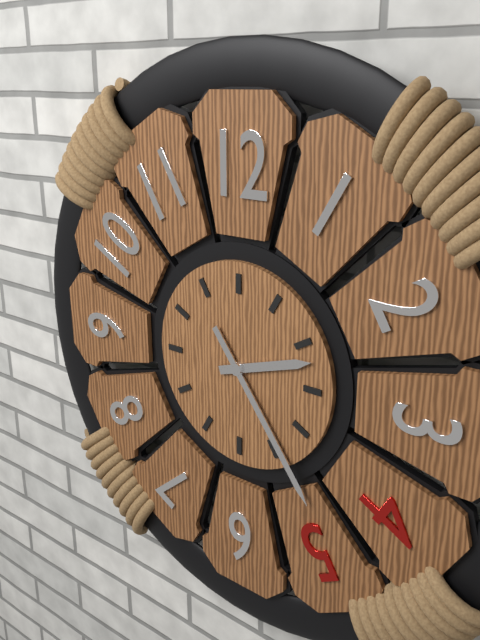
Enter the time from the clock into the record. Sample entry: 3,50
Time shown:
2,24
